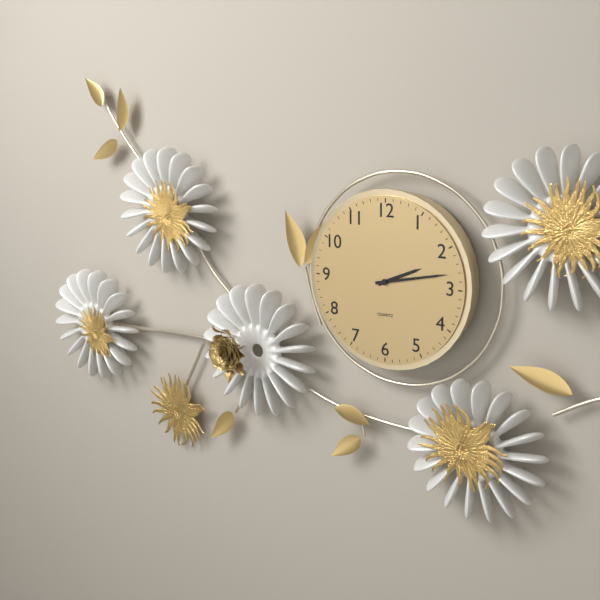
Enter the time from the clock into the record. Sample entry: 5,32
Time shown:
2,13
